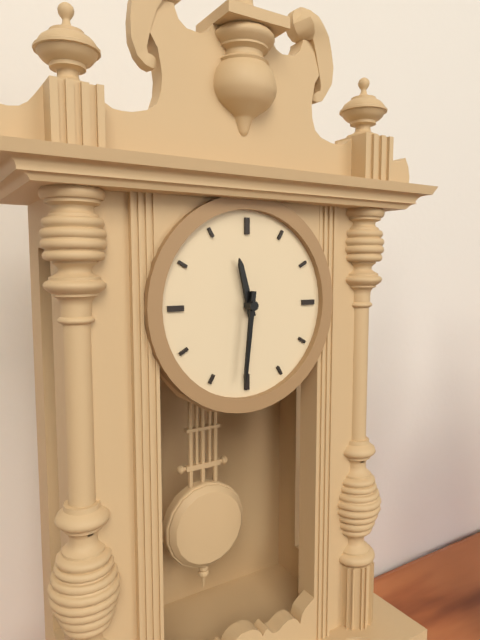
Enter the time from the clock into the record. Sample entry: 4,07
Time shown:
11,31
